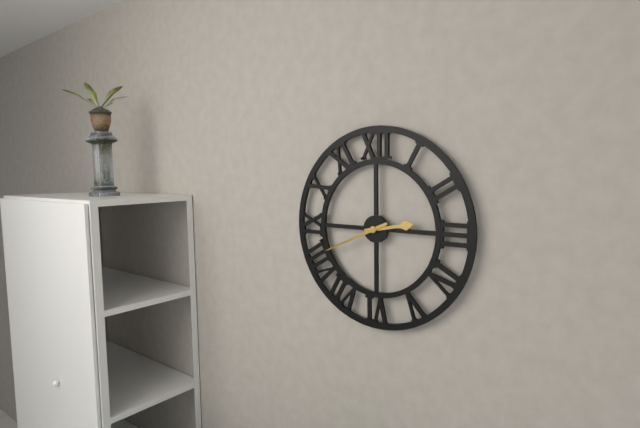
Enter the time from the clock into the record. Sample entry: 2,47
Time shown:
2,41
